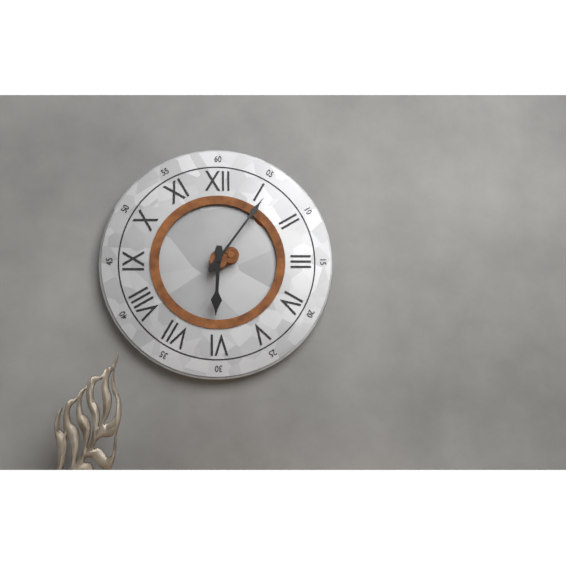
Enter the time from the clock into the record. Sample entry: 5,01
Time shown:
6,06
